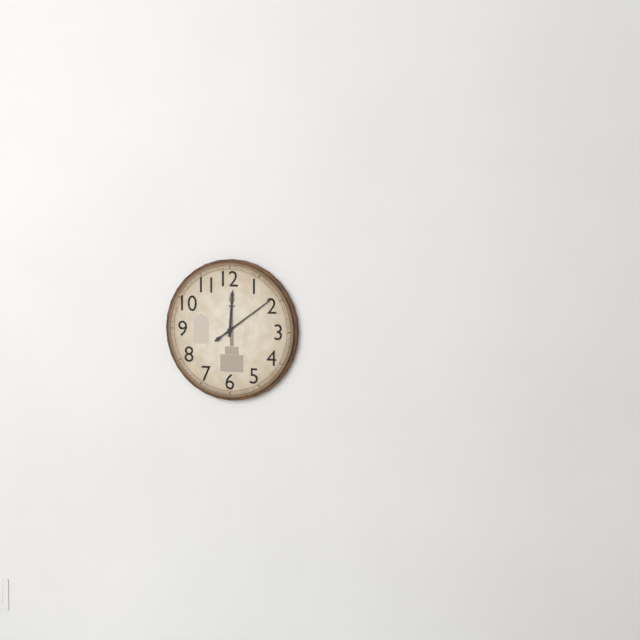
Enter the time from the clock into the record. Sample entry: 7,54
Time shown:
12,09
